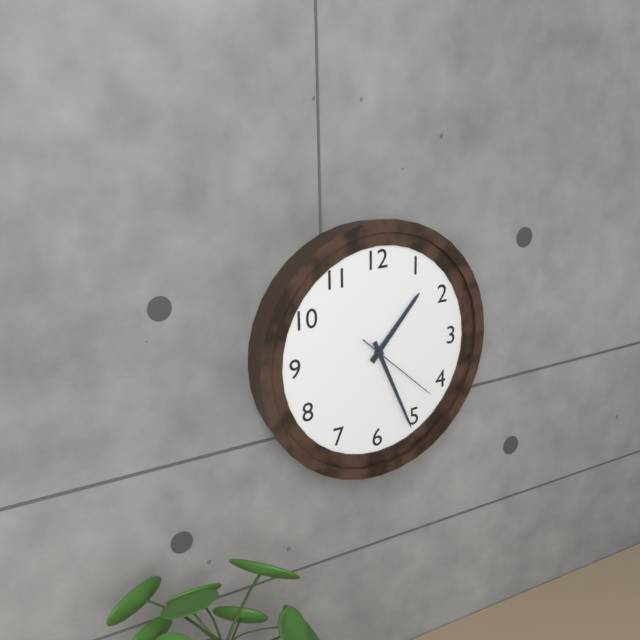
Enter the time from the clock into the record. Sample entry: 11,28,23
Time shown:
1,26,22
